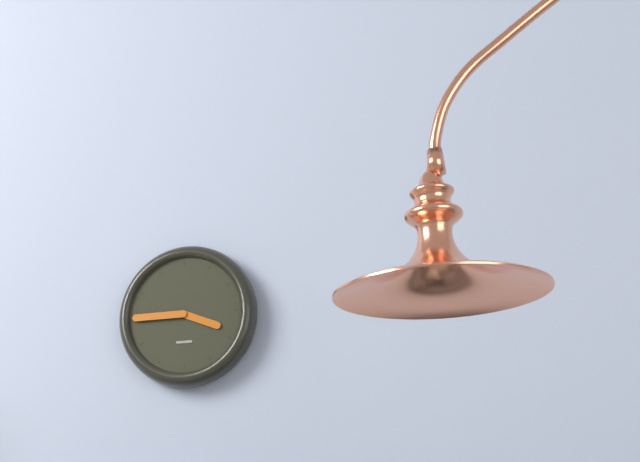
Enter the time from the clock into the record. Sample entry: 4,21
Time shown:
3,45
